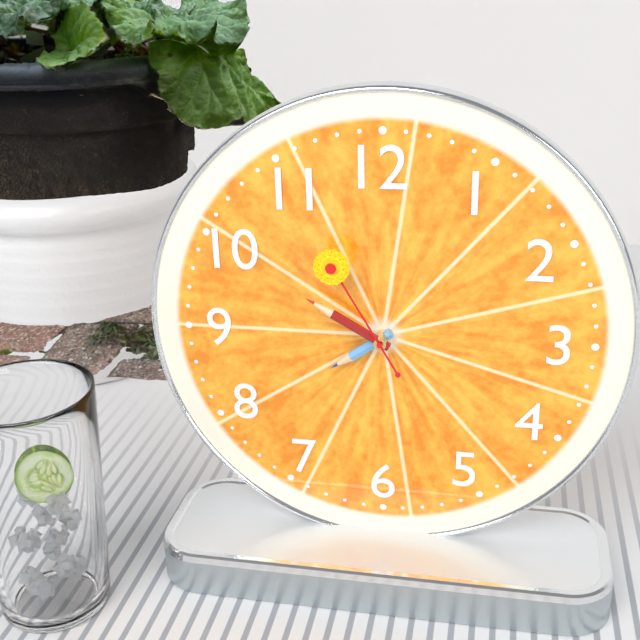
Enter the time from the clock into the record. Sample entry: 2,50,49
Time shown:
7,50,55
